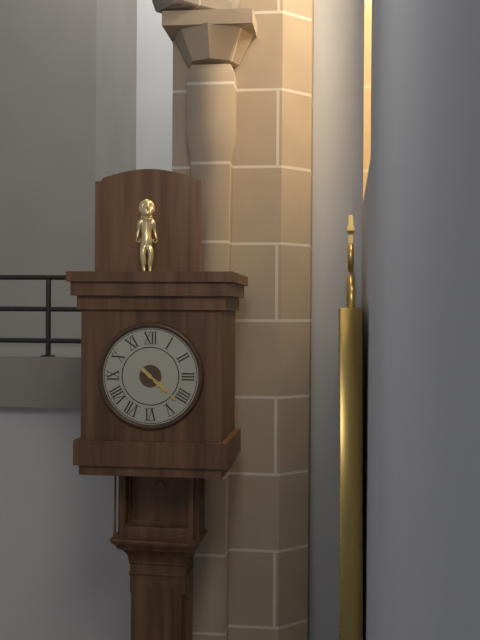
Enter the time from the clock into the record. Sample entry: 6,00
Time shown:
4,22
